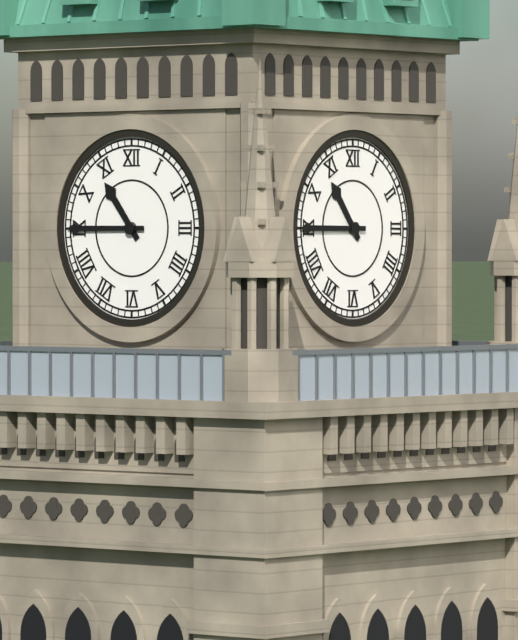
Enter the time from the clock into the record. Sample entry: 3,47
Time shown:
10,45
